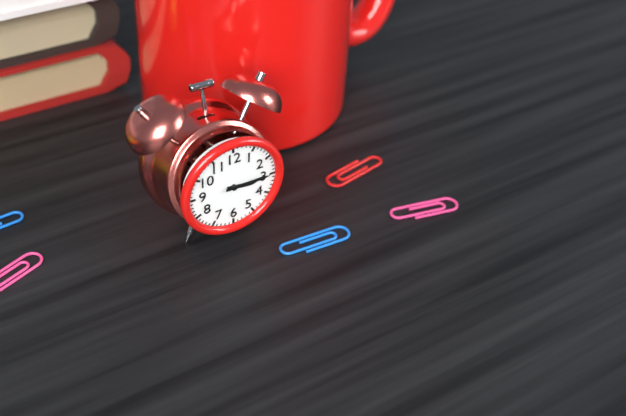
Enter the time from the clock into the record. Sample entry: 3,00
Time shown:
3,15
